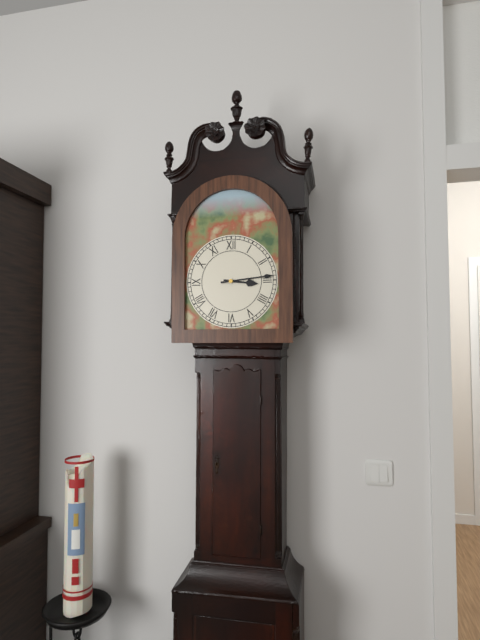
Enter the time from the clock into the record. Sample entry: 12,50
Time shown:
3,14
